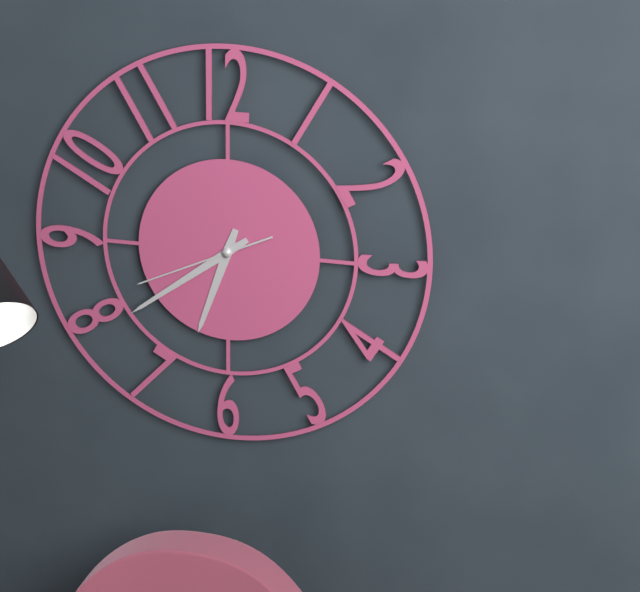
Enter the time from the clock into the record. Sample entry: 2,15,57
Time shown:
6,39,41
